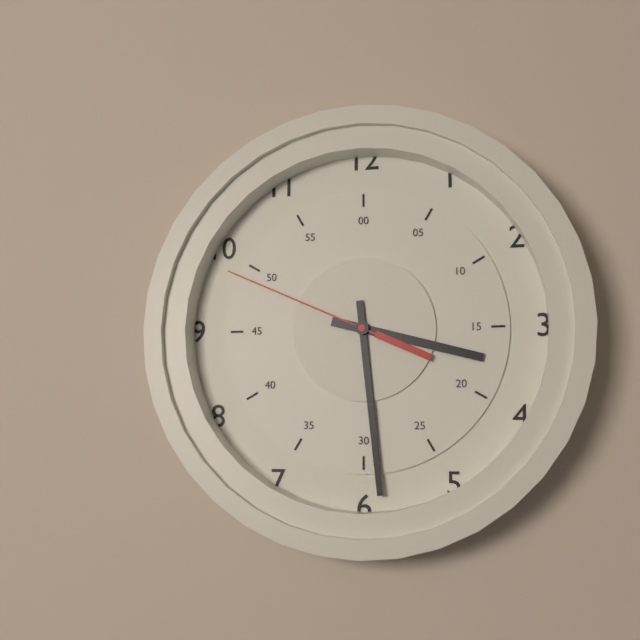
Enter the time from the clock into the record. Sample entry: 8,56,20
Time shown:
3,29,49
